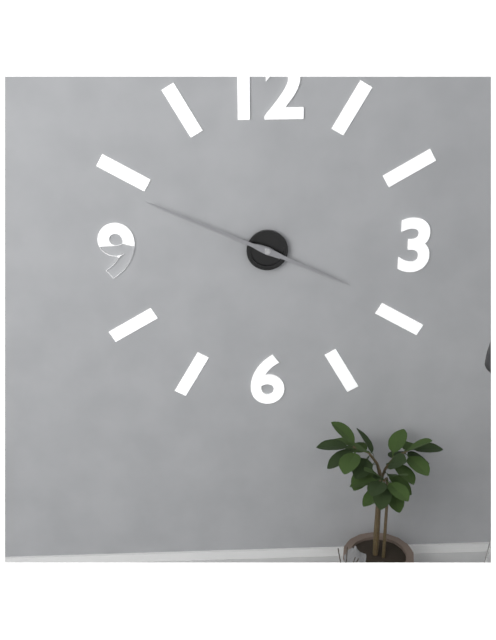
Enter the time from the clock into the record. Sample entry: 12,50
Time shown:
3,49
